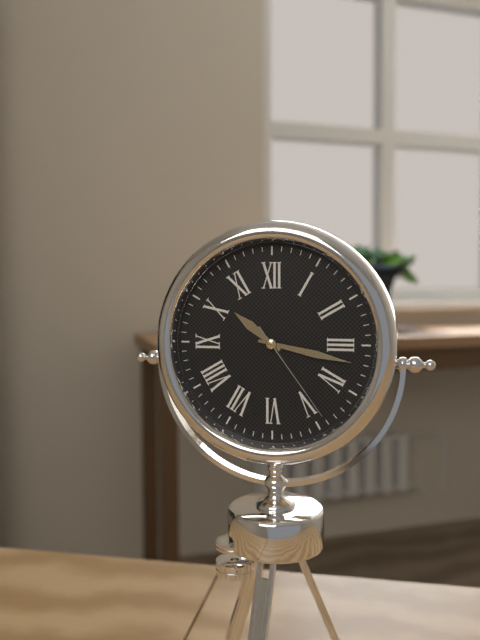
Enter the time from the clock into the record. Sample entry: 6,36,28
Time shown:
10,17,24
